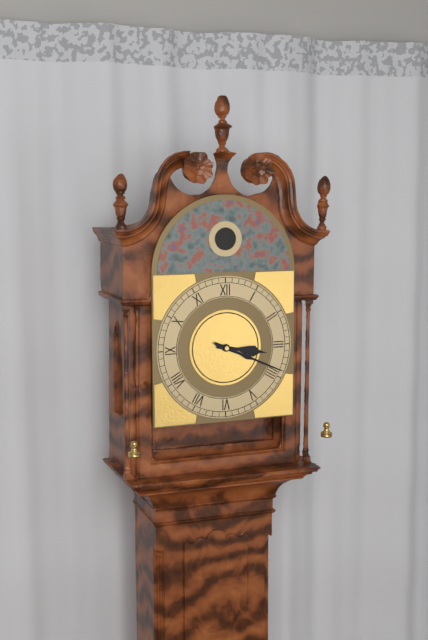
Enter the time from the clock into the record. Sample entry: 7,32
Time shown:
3,19
